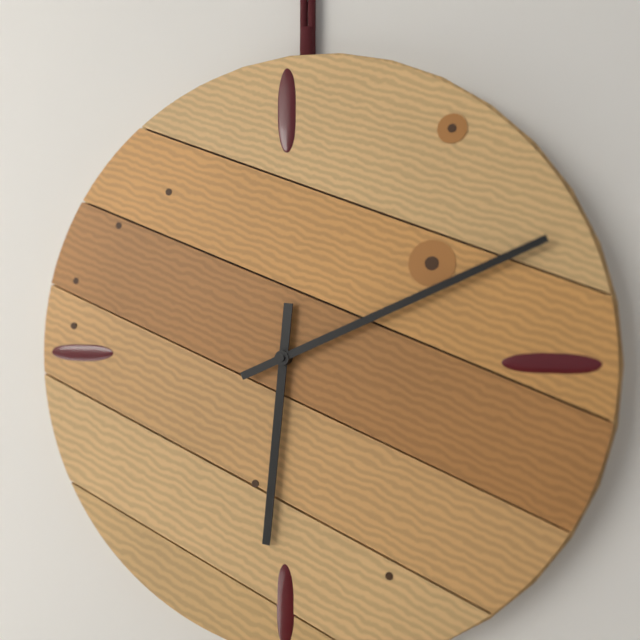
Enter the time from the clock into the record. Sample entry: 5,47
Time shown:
6,11
